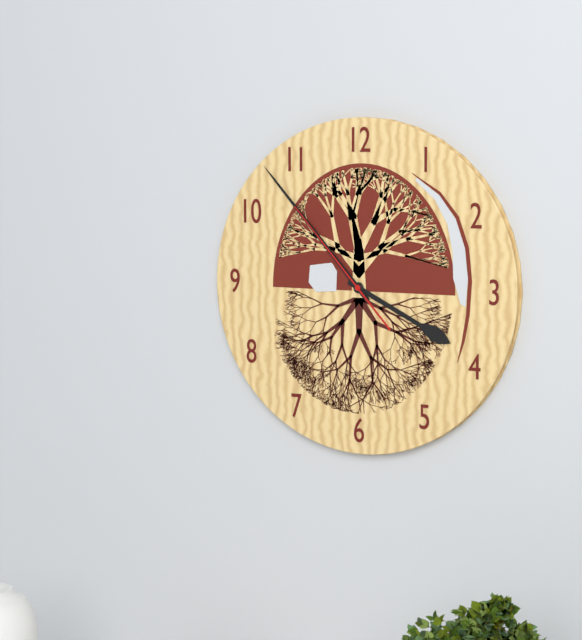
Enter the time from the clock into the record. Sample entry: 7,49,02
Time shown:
3,53,53
